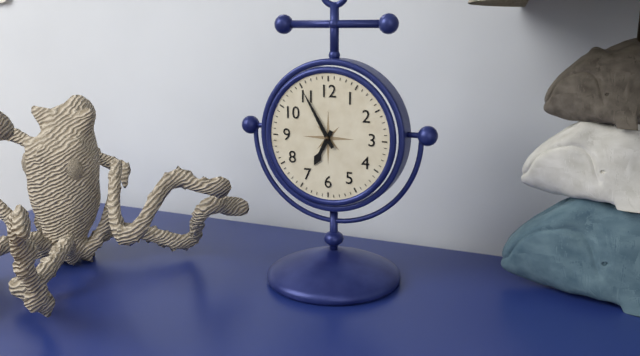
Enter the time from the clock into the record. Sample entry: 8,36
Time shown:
6,55
